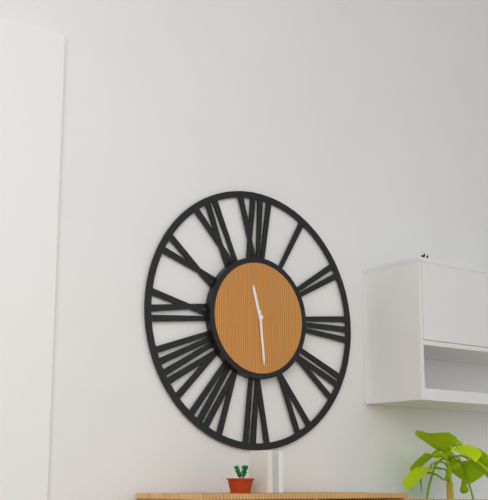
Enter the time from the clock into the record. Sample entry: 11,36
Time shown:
11,29
